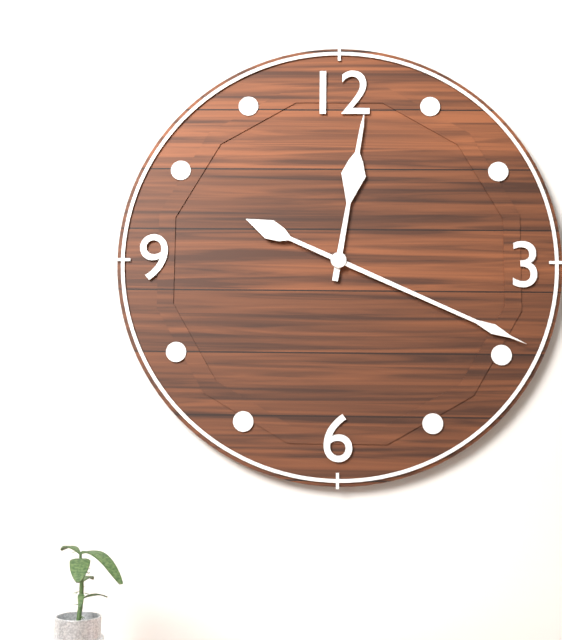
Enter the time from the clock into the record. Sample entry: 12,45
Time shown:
12,19
